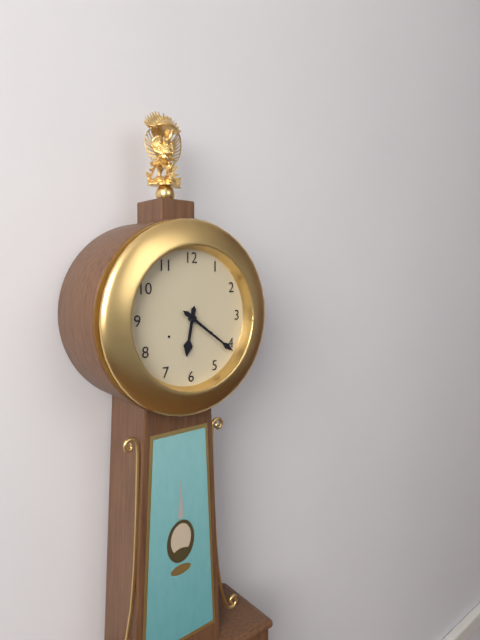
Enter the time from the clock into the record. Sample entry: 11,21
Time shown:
6,21
